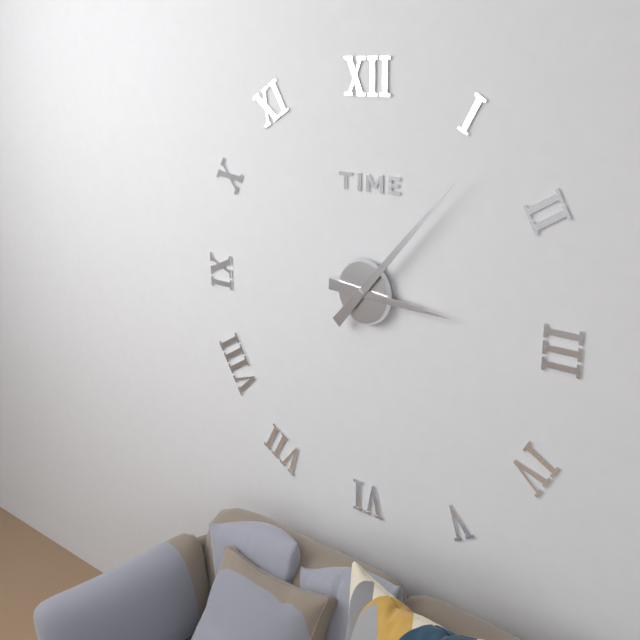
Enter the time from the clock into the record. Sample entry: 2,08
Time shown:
3,07
